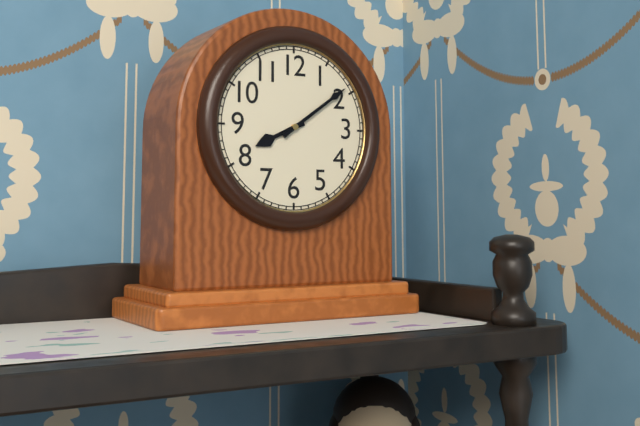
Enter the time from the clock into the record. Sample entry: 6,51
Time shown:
8,09
